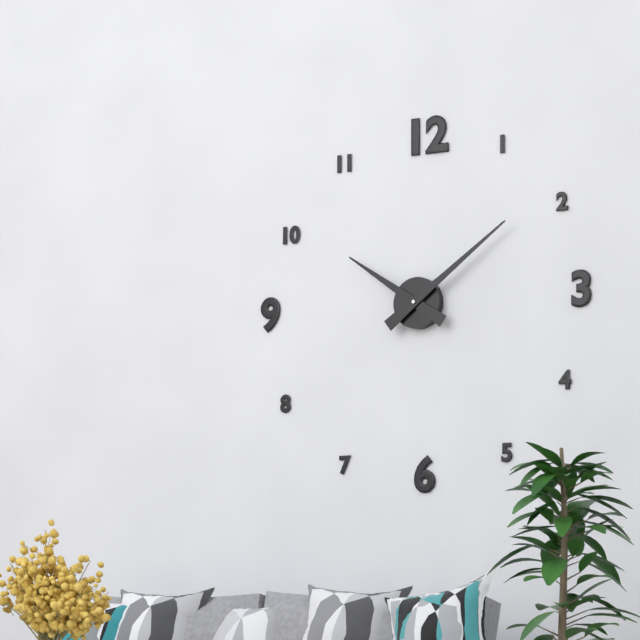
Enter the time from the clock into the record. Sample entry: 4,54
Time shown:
10,09
